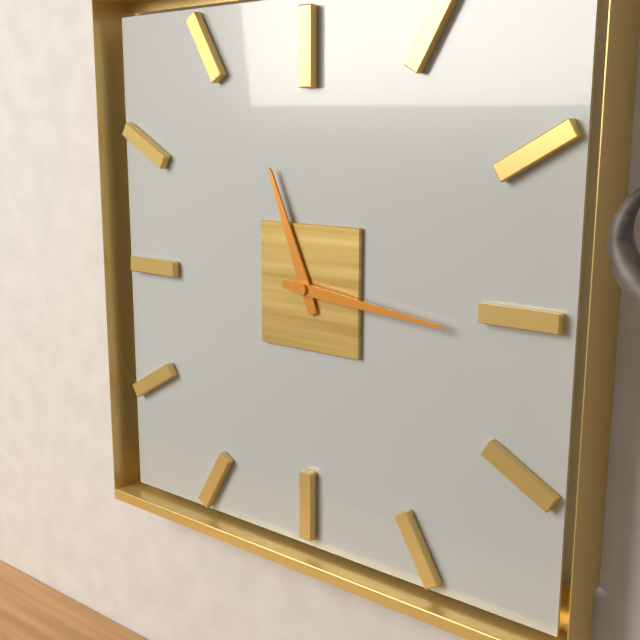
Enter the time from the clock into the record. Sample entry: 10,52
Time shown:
11,16
